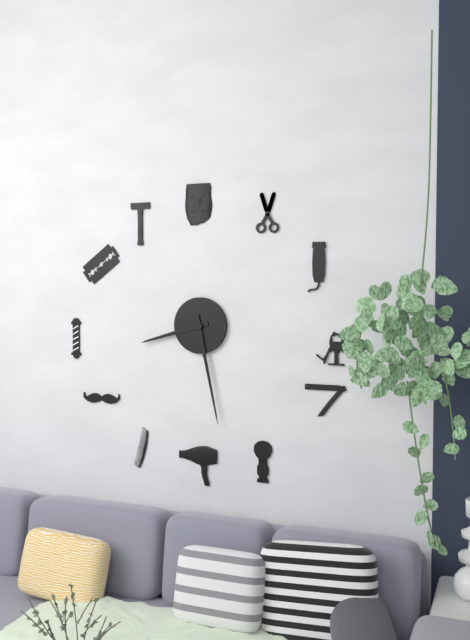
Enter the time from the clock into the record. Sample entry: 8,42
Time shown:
8,28
